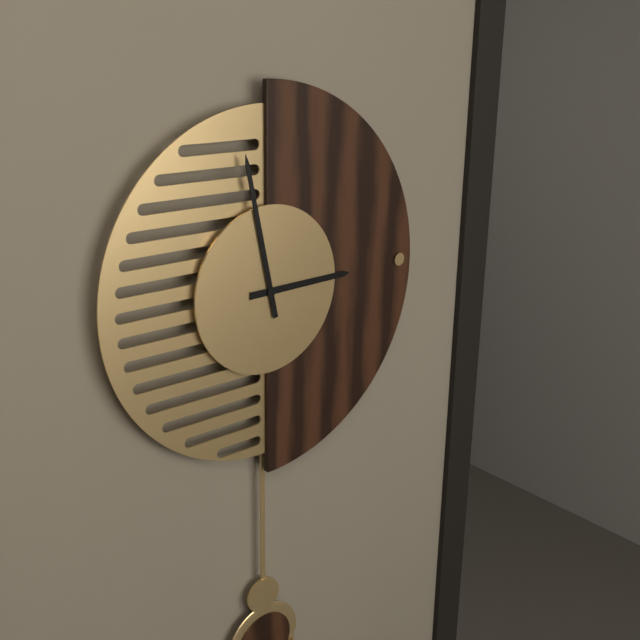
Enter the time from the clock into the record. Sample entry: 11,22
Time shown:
2,58
